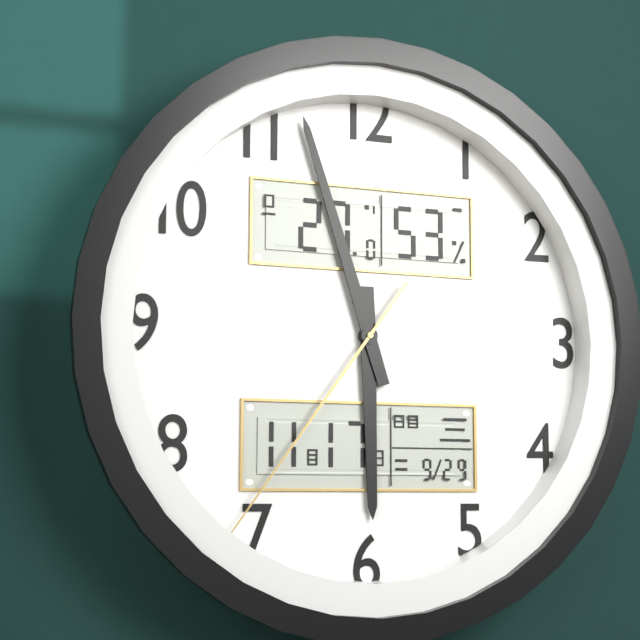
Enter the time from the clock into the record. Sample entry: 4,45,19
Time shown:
5,57,36
